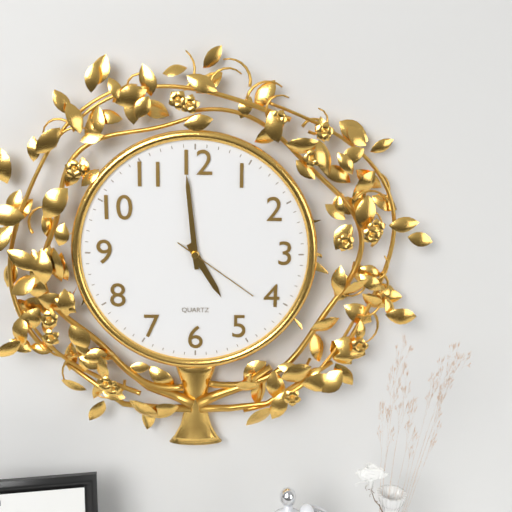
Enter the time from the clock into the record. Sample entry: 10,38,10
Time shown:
4,59,21
